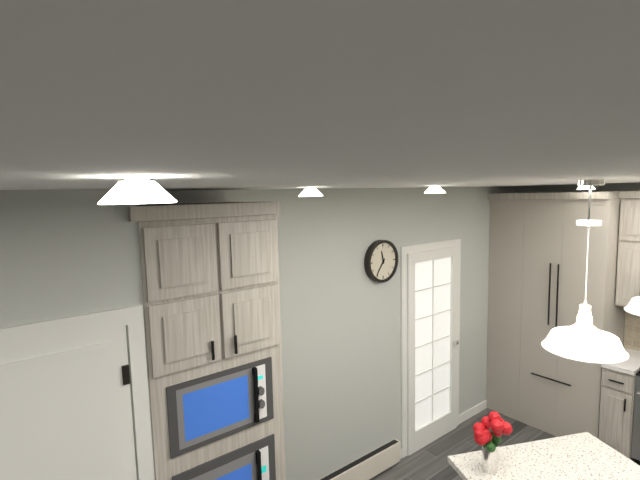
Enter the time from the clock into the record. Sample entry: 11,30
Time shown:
11,36
